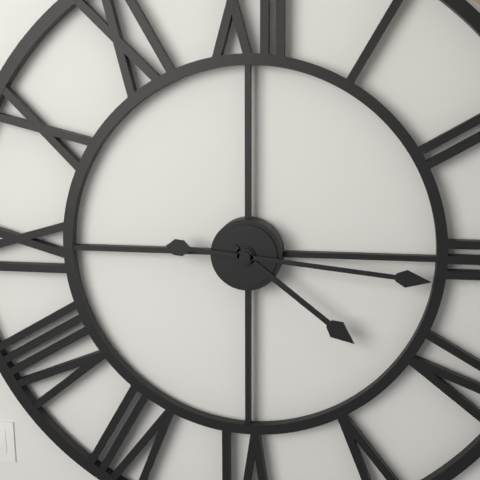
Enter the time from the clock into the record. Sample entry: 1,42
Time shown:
4,16
